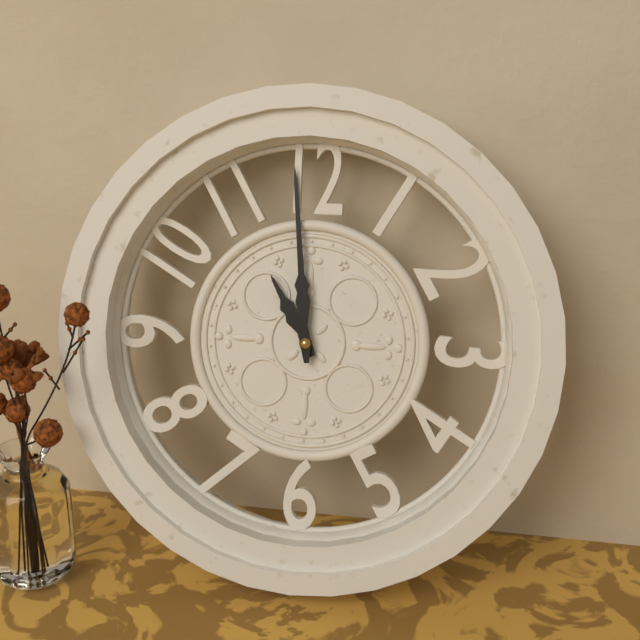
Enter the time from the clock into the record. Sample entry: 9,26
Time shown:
10,59
